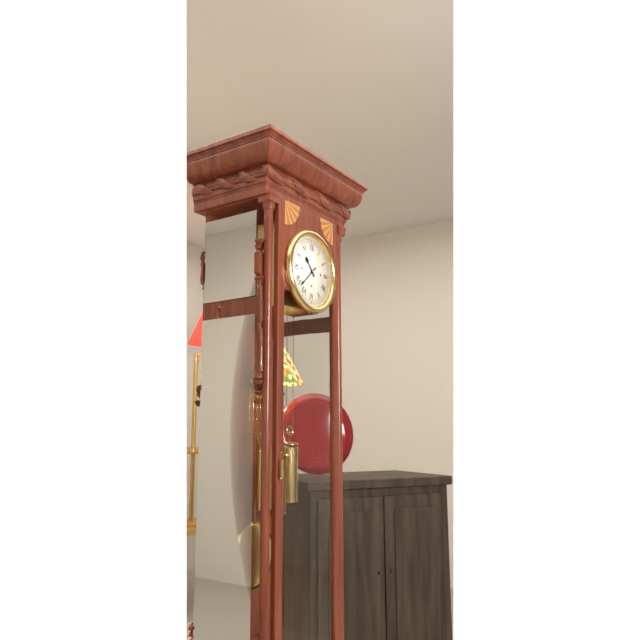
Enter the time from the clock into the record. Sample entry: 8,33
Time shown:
10,38
